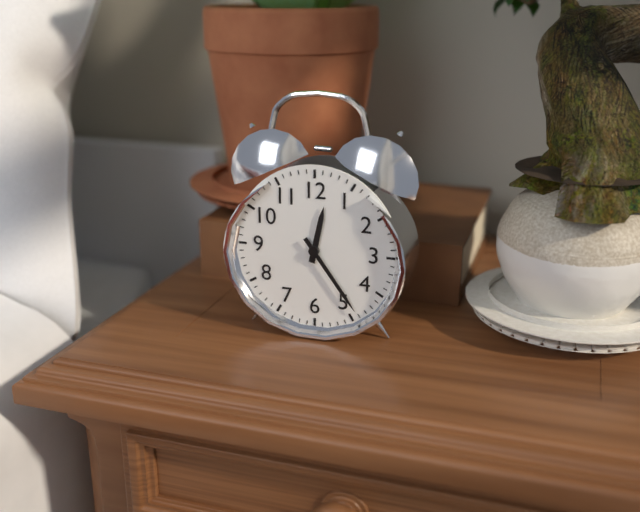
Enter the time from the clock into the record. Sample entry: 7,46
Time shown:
12,24
